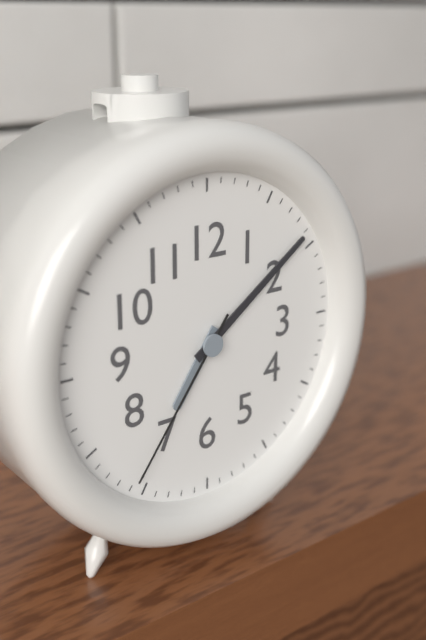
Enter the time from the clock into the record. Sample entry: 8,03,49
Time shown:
7,09,36
